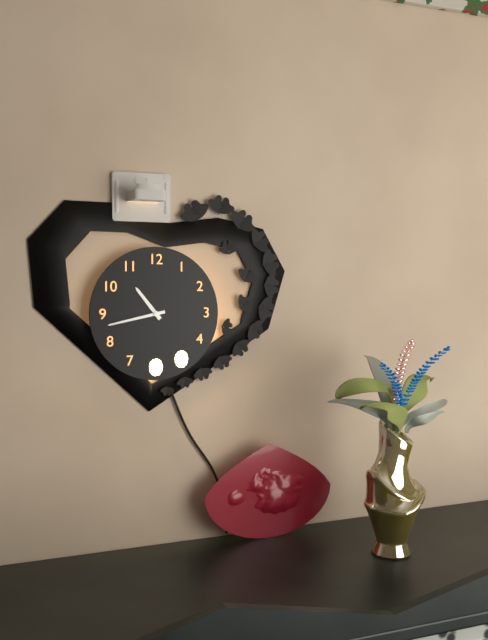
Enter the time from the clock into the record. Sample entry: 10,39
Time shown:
10,43
